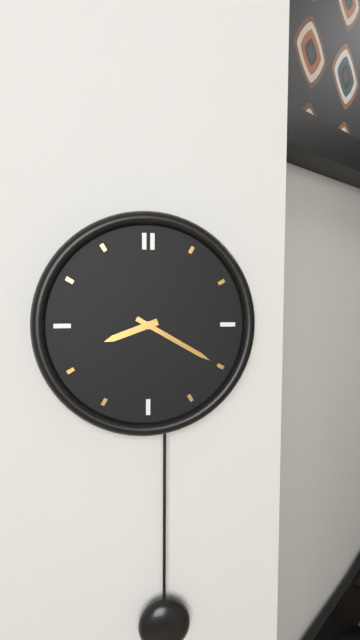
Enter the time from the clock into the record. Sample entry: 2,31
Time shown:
8,20
